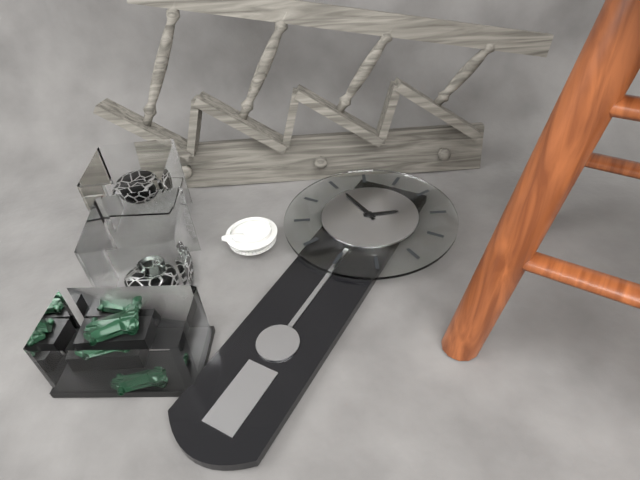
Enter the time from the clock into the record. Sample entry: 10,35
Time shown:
1,50
